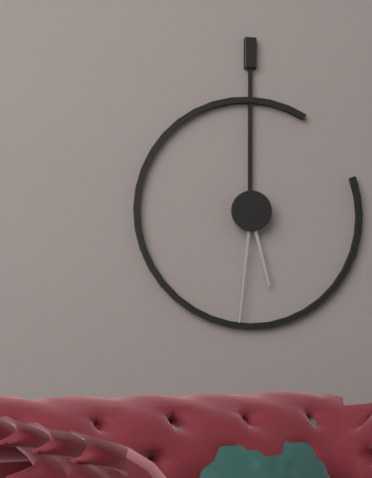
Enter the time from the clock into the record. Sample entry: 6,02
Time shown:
5,31
